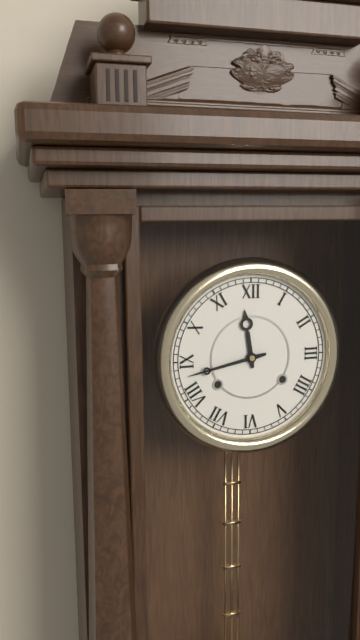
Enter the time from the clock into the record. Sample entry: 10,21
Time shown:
11,43
